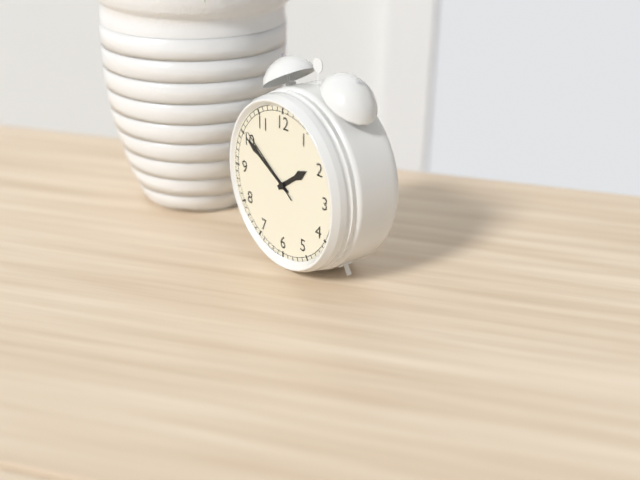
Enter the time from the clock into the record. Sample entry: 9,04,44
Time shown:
1,50,51
